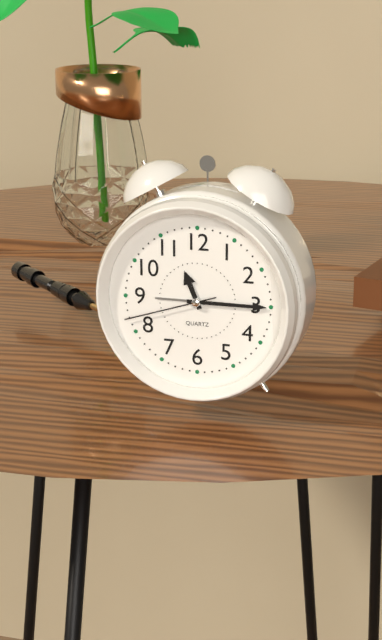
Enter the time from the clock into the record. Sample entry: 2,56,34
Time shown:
11,15,42
